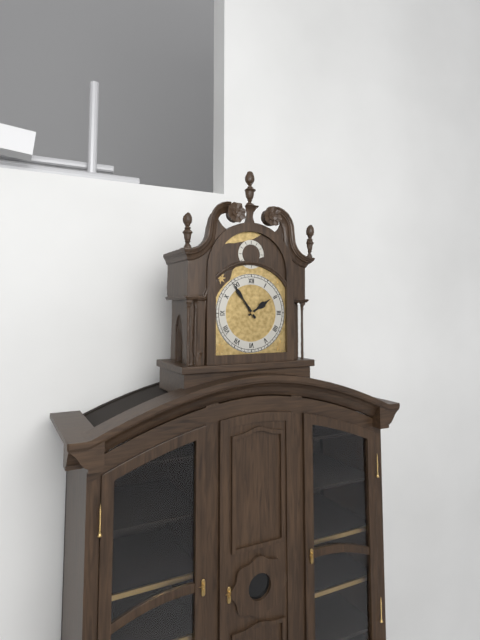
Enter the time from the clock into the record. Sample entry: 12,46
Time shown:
1,54
